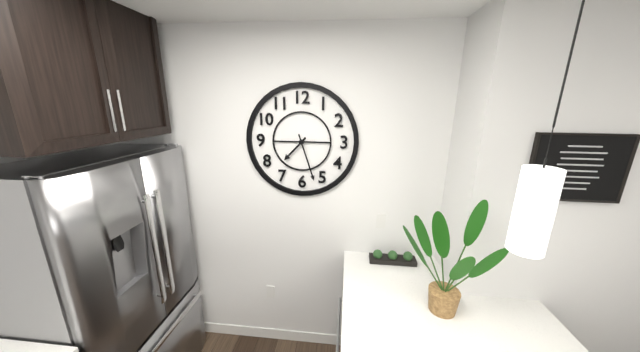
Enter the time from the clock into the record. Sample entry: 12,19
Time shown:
7,27
